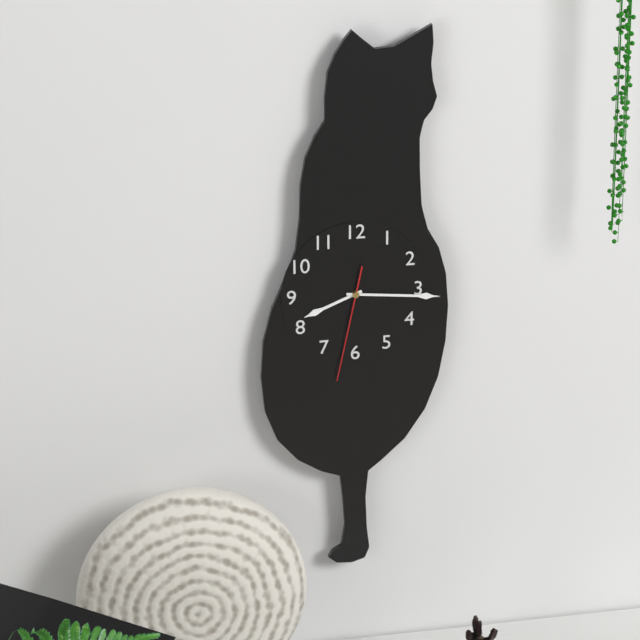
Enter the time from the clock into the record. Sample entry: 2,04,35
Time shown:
8,16,32
